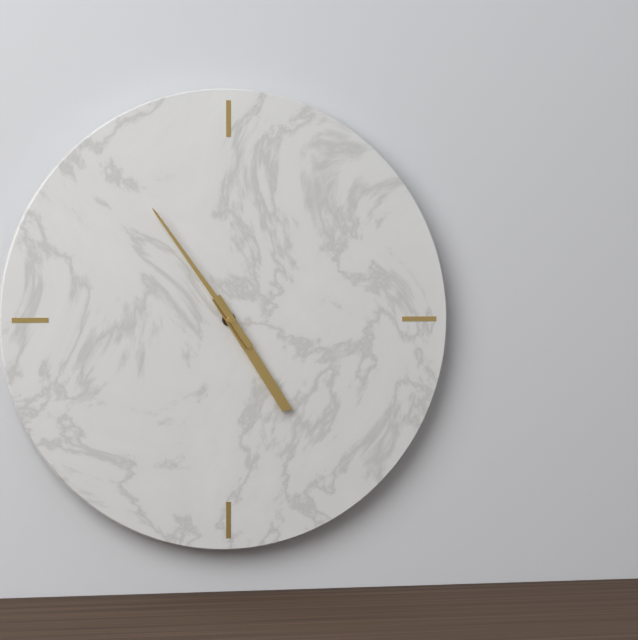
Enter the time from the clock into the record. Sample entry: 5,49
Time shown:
4,54
